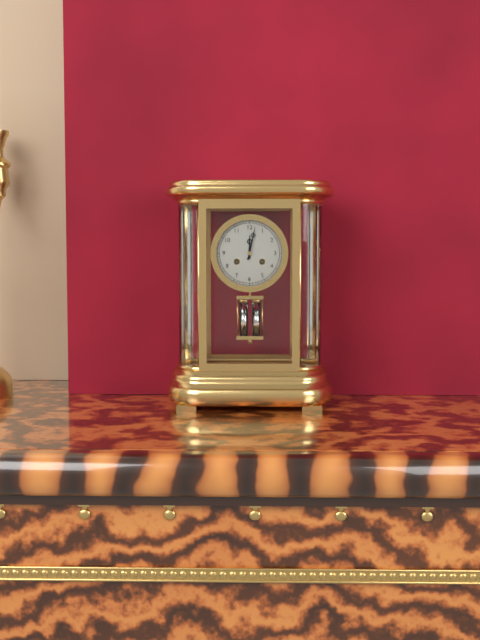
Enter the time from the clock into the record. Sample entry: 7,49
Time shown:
12,02
